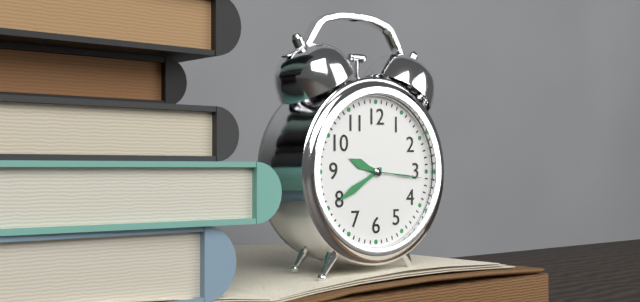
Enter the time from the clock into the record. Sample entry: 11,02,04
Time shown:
9,40,16
